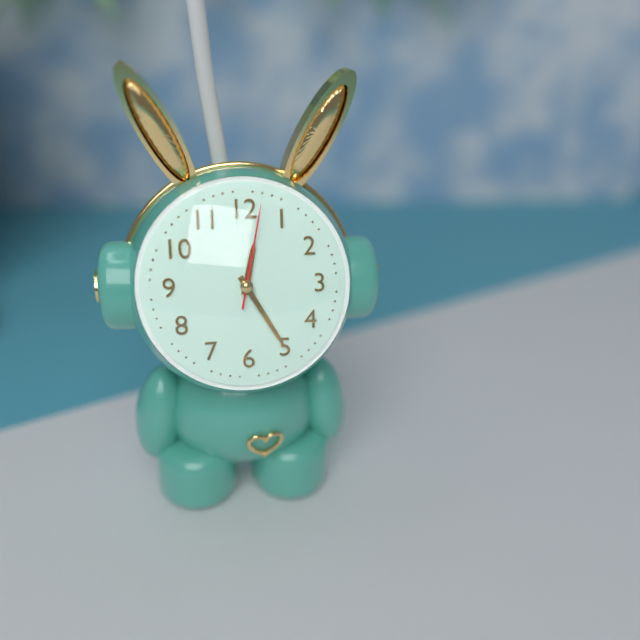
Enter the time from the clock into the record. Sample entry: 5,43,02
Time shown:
12,25,02
